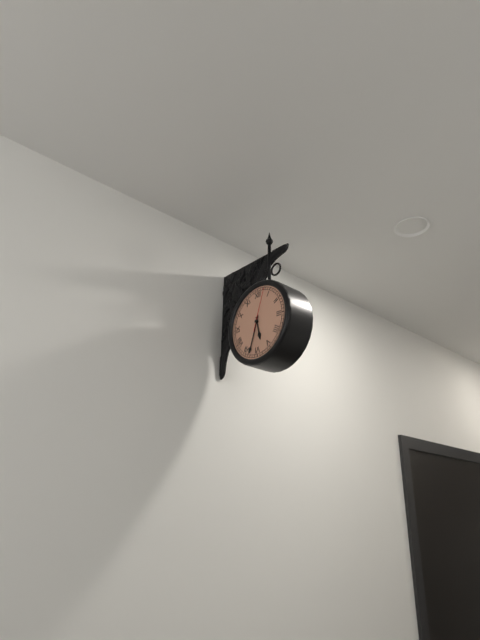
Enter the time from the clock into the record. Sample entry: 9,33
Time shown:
5,33
